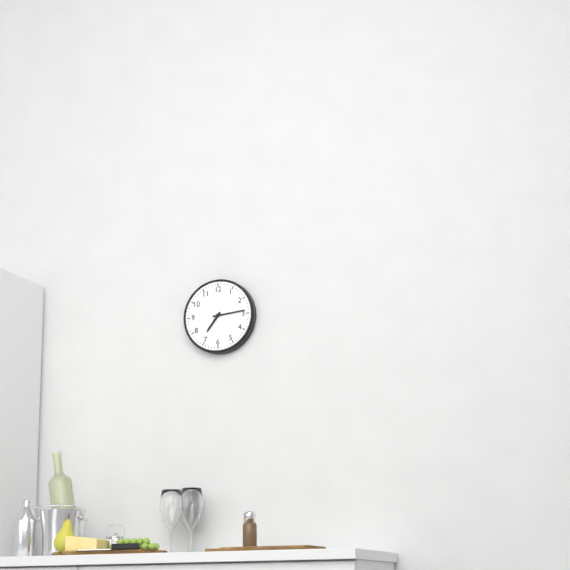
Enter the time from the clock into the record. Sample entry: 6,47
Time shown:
7,14
